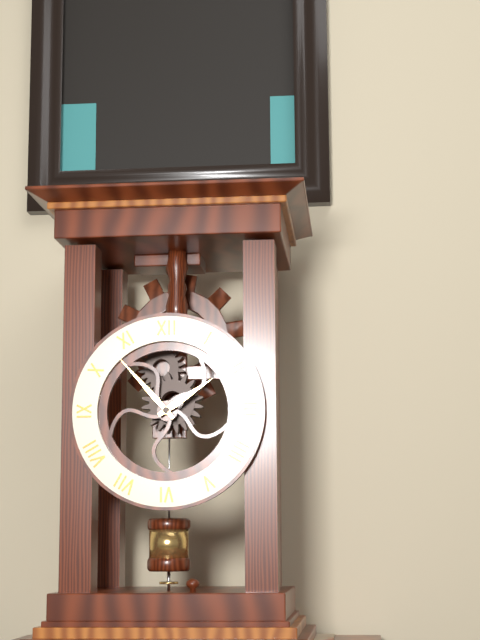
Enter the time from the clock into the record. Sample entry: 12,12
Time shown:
1,53
